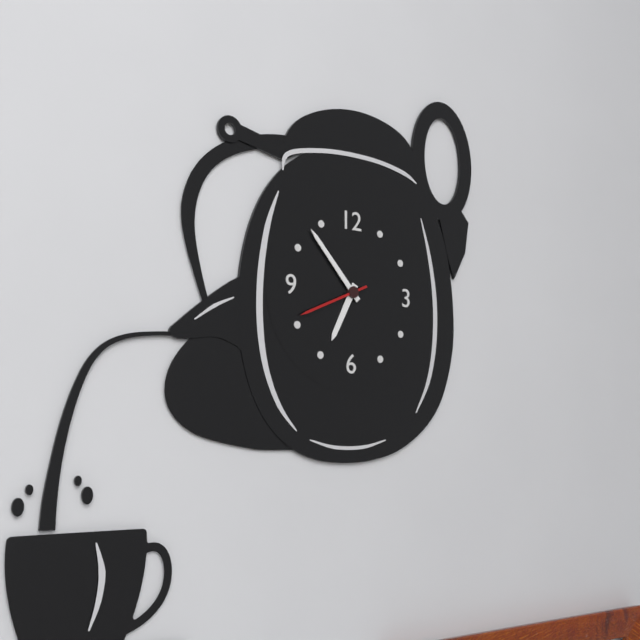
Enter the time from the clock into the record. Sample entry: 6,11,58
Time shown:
6,53,41
